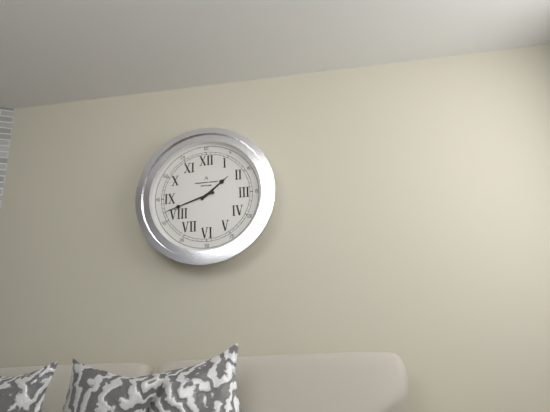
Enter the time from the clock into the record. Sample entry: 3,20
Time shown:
1,42
